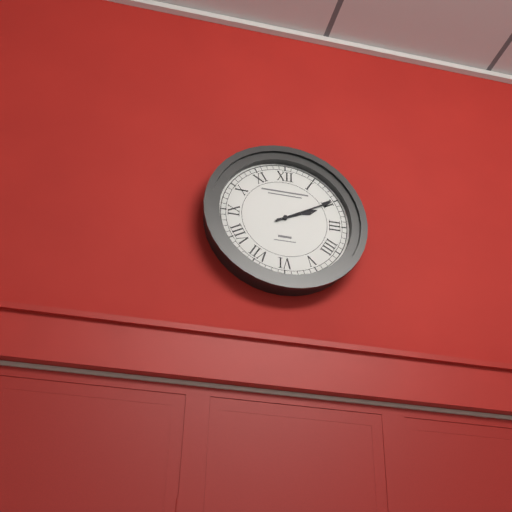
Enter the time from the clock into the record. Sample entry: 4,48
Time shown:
2,10
